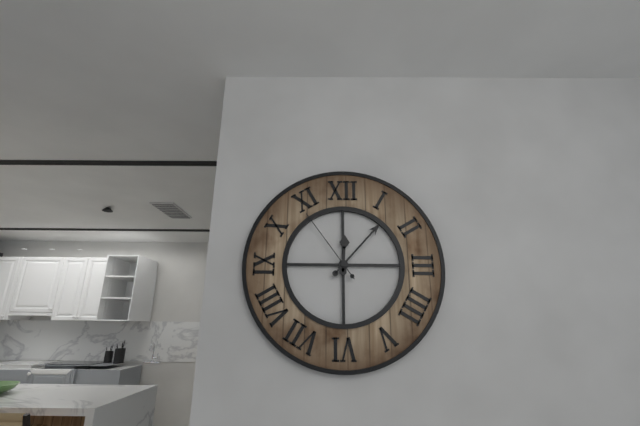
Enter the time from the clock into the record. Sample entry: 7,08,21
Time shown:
12,07,54
